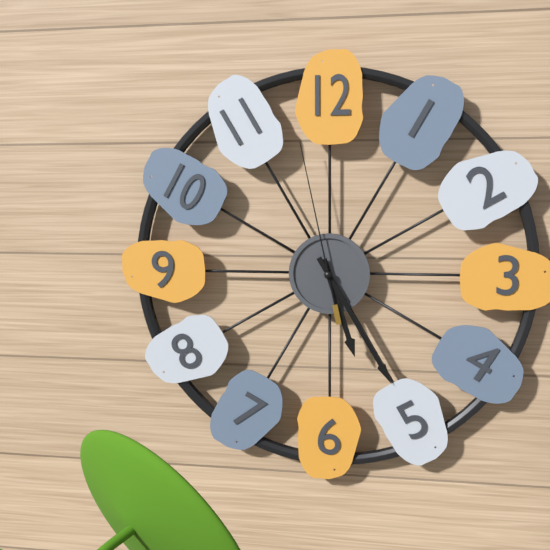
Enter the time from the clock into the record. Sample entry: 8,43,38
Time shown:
5,25,58
